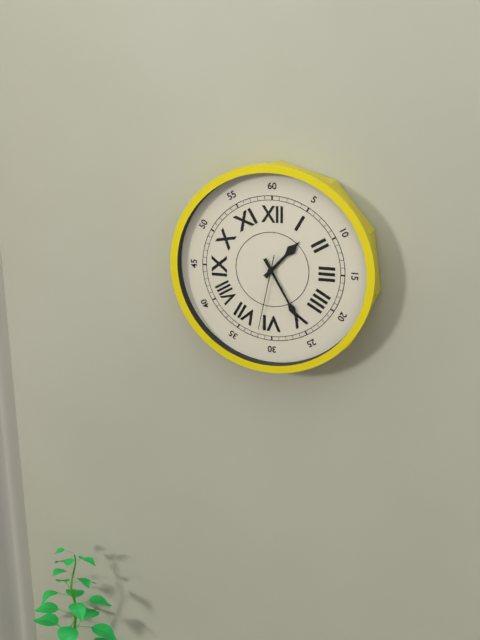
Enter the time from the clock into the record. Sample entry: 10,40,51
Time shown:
1,25,32
